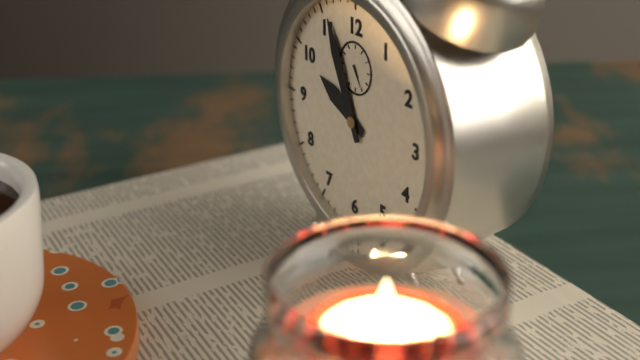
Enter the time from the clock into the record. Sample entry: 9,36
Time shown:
9,56
